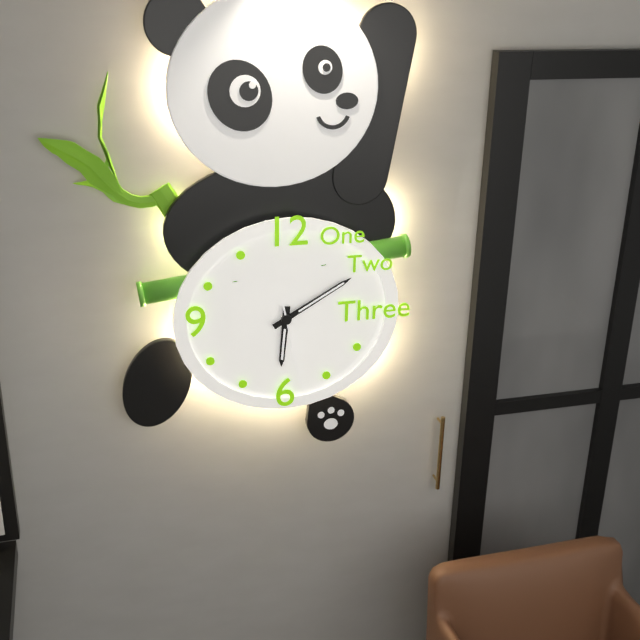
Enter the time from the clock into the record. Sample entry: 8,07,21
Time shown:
6,10,28
